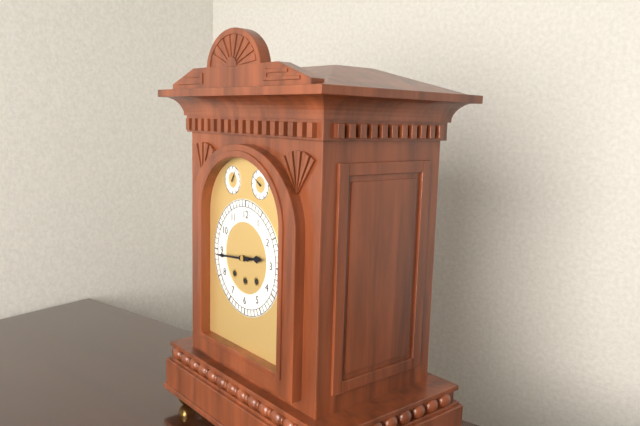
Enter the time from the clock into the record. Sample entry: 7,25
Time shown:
2,44
